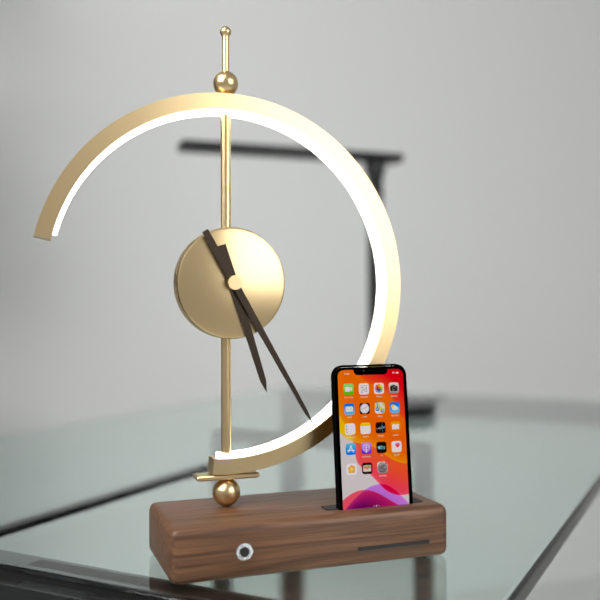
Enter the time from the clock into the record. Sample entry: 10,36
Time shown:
5,25
